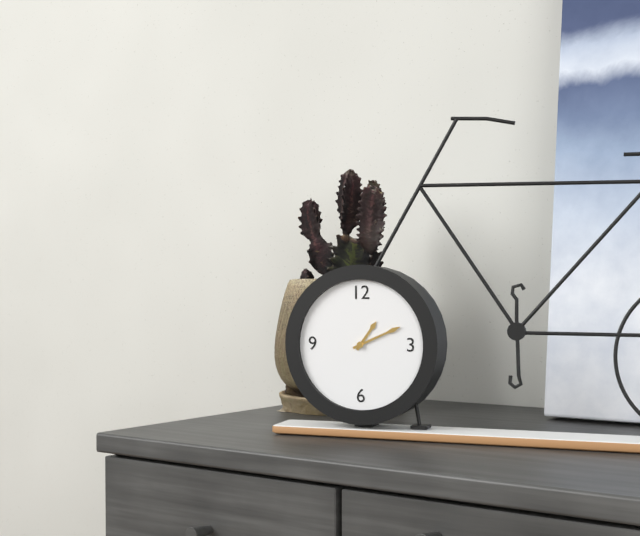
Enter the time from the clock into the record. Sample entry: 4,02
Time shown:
1,11
